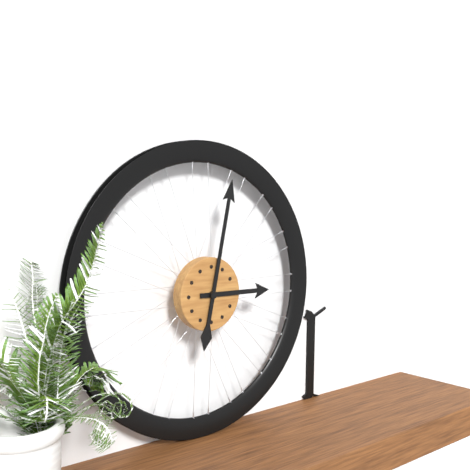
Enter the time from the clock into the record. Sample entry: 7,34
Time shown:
3,02
